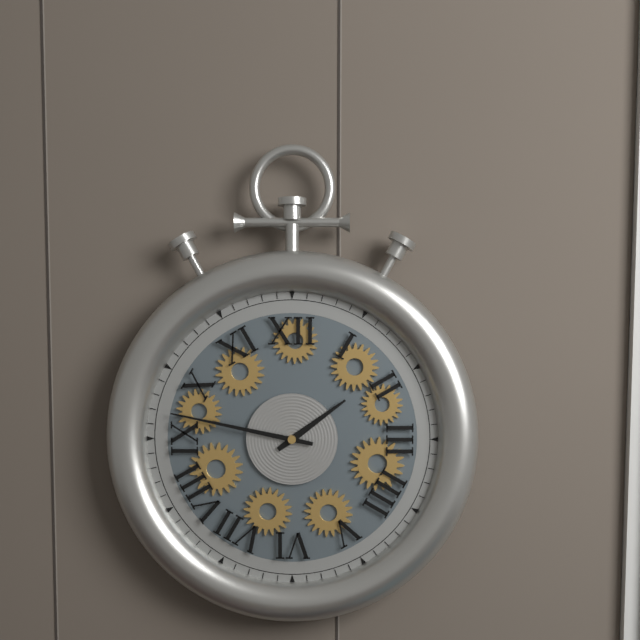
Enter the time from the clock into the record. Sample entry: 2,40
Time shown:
1,47
